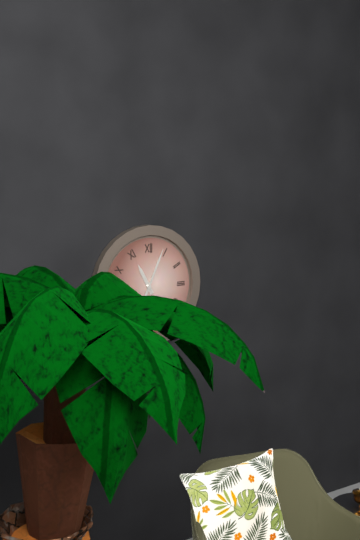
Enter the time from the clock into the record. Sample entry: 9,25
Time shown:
11,04
